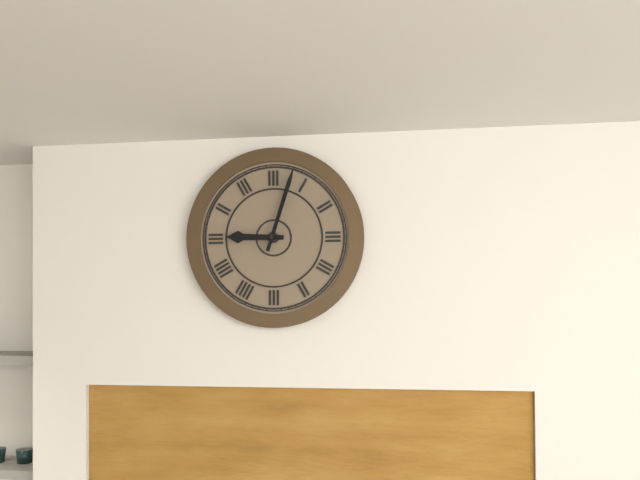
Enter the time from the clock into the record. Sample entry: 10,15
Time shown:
9,03
